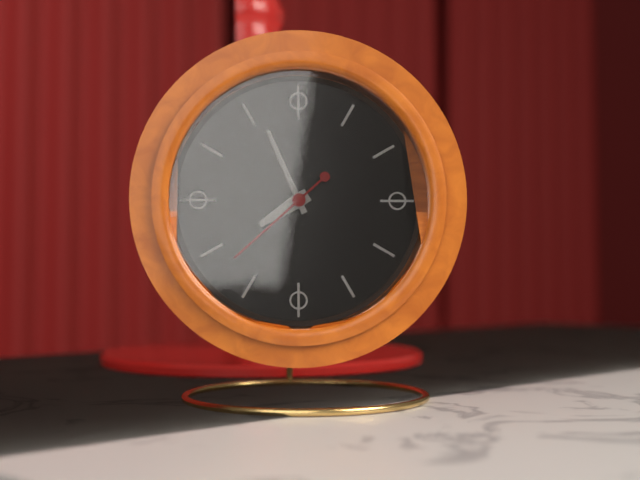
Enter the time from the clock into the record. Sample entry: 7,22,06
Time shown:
7,56,38
